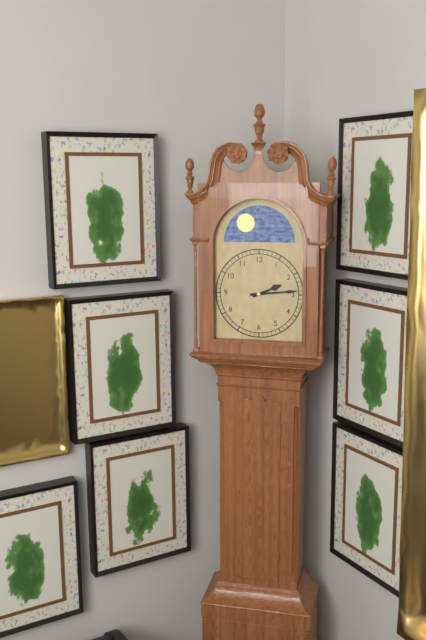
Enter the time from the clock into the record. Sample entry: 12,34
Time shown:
2,14
